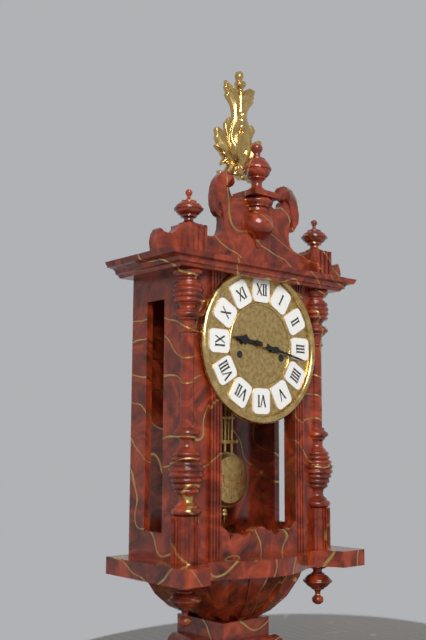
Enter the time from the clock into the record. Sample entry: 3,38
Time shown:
9,17
